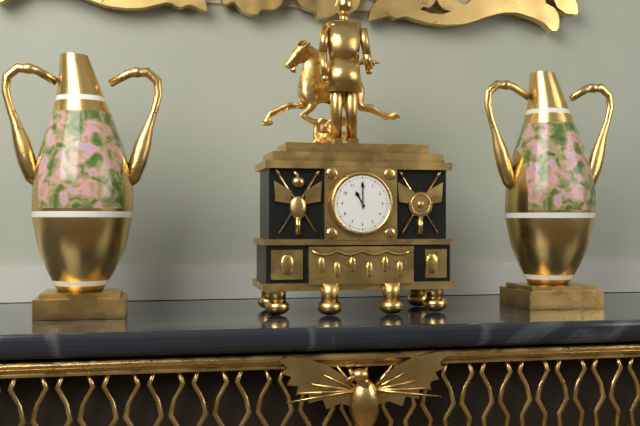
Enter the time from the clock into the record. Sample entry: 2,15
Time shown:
11,00
